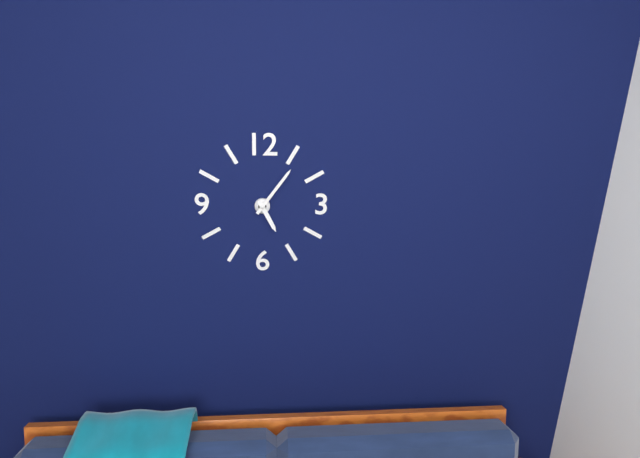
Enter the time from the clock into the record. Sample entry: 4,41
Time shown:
5,06
